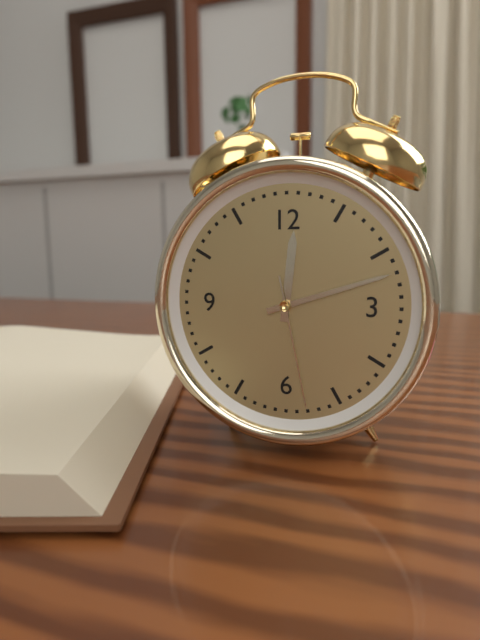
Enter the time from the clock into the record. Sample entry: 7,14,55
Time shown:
12,12,28
